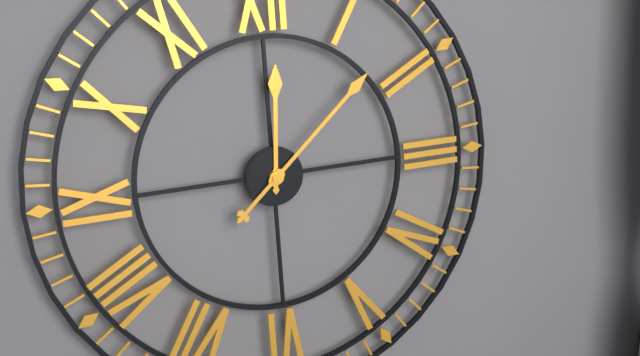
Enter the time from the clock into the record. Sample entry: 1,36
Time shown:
12,08
